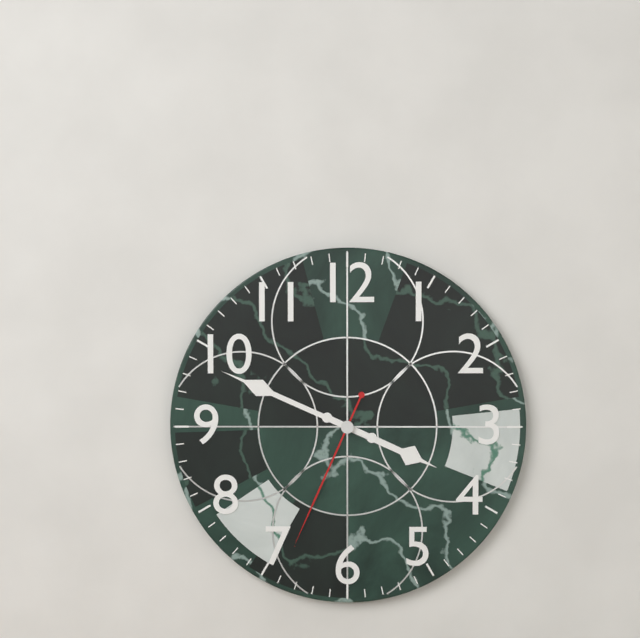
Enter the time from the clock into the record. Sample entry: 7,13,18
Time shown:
3,49,34
